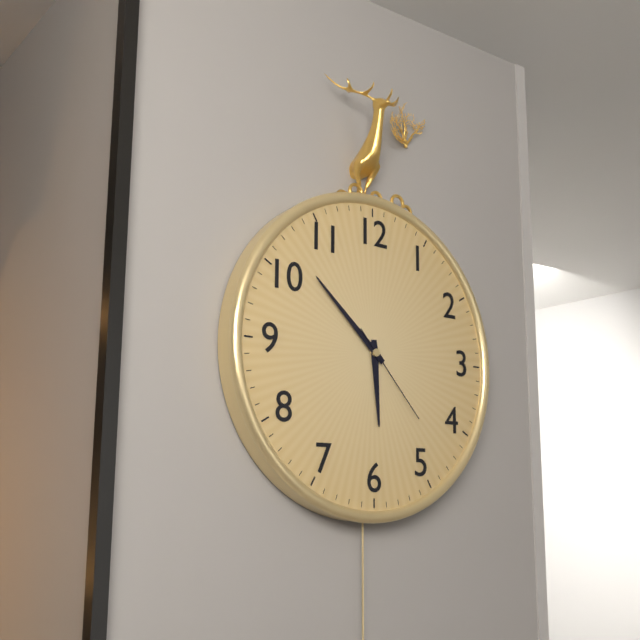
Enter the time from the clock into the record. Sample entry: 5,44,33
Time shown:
5,52,23
